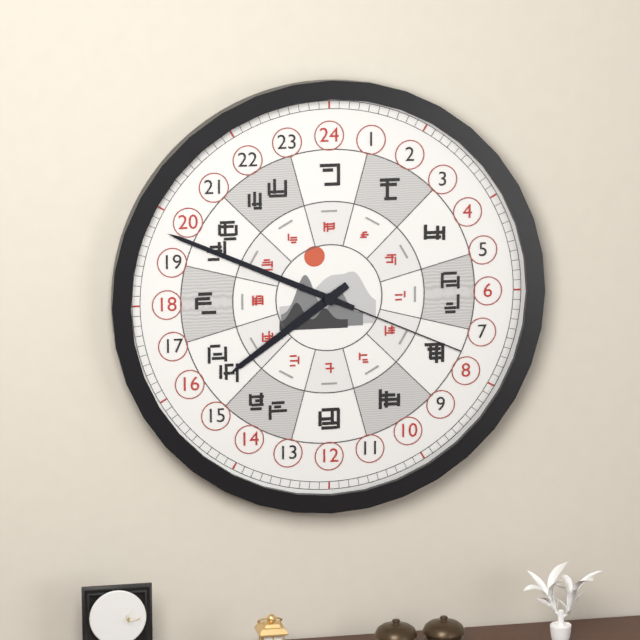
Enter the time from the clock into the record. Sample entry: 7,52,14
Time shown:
7,49,19
